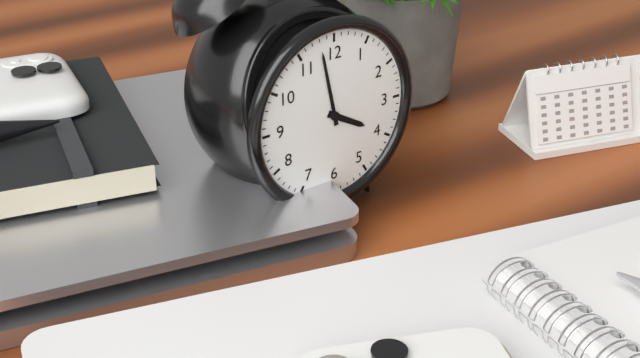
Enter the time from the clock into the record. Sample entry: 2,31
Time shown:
3,58
